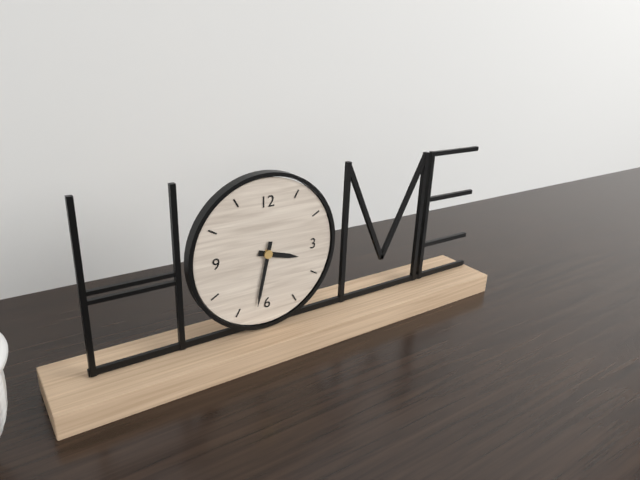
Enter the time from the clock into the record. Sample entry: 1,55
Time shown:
3,32
